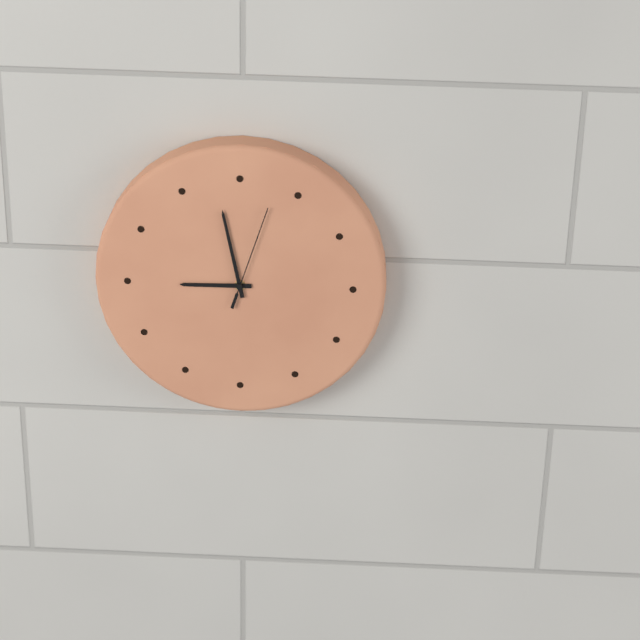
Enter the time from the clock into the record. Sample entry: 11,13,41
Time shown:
8,58,03
